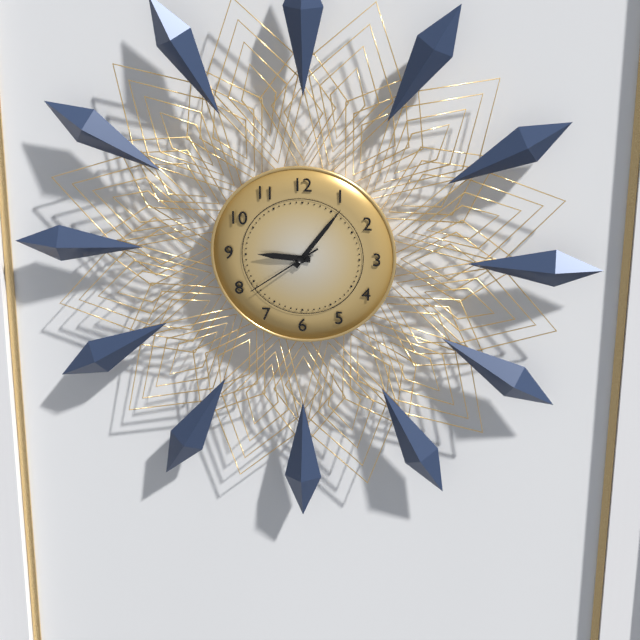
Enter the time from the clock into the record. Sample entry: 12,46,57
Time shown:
9,06,39
